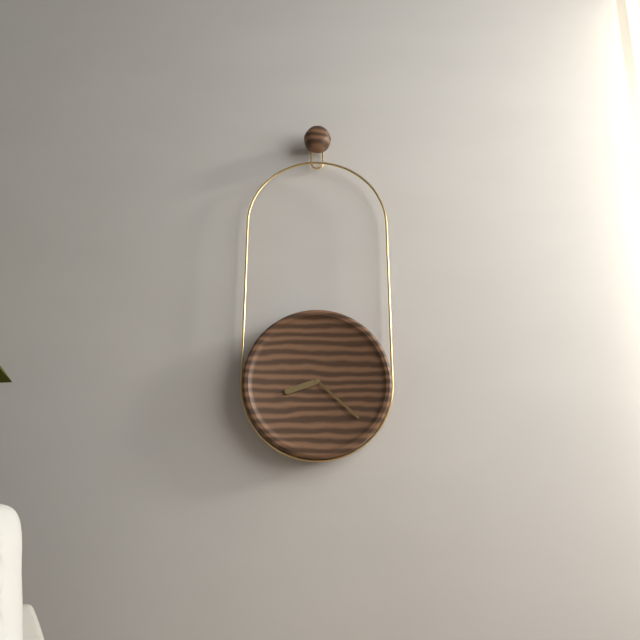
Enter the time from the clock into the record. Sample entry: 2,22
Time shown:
8,22
